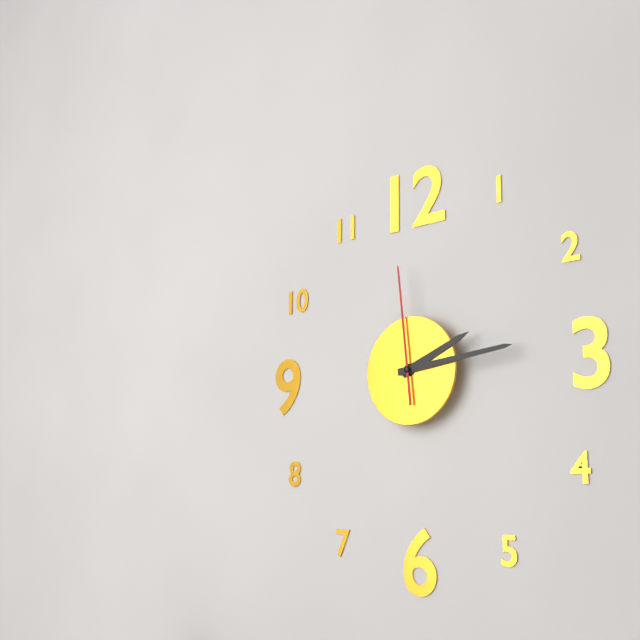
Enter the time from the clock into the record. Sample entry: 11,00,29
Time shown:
2,14,59
